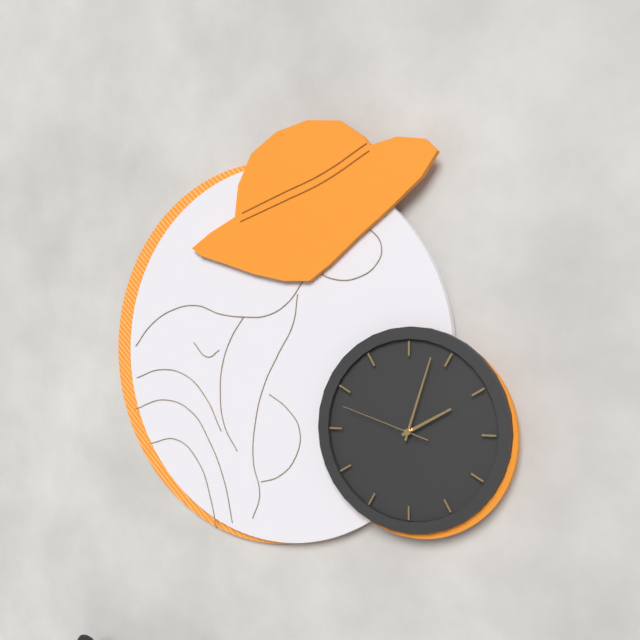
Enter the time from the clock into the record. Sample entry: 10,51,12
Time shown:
2,03,48
